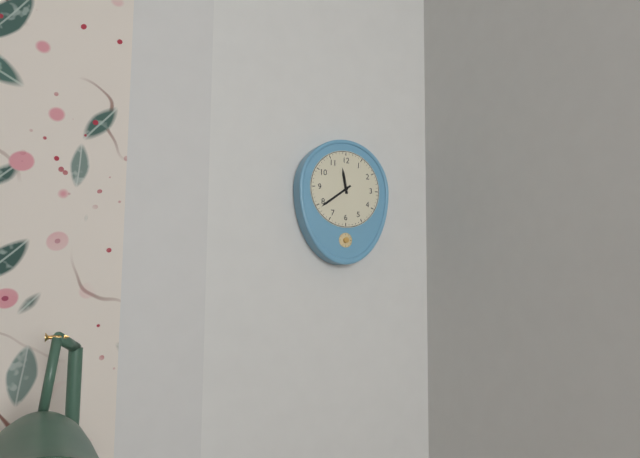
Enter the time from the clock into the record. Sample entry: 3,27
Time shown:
11,39
